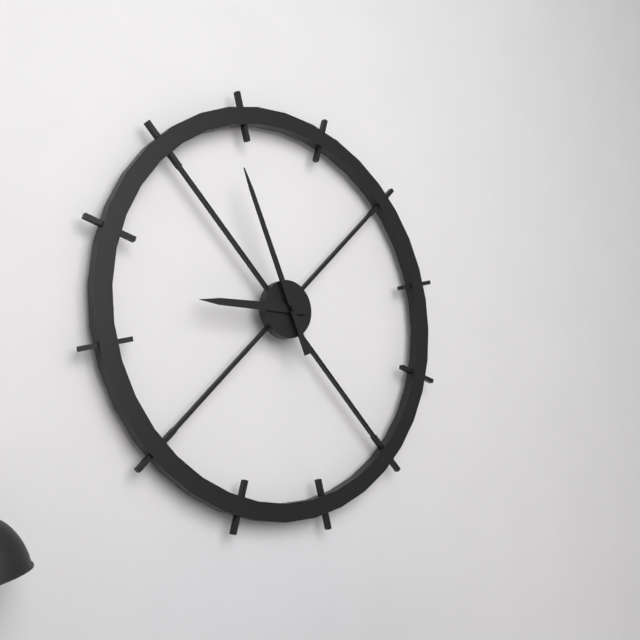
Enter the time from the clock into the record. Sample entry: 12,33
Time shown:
8,56
